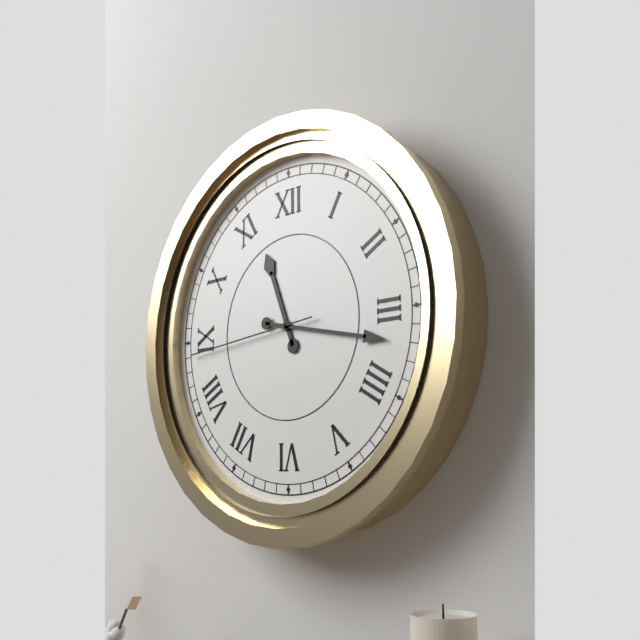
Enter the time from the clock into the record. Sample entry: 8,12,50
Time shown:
11,17,44
